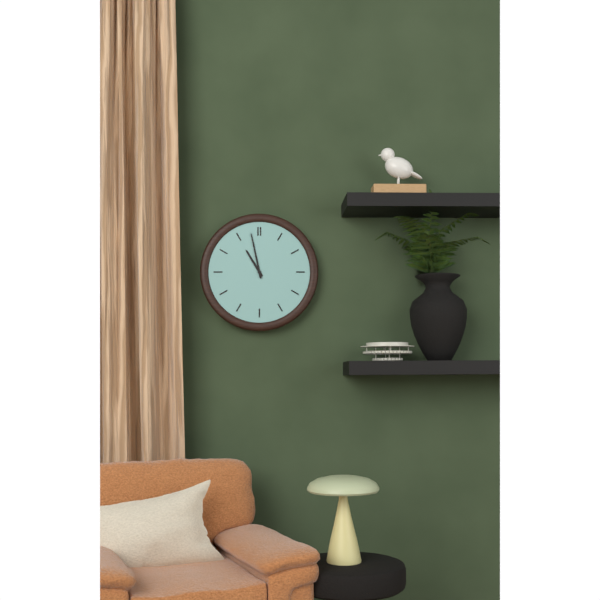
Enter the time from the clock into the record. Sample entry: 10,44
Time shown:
10,58
